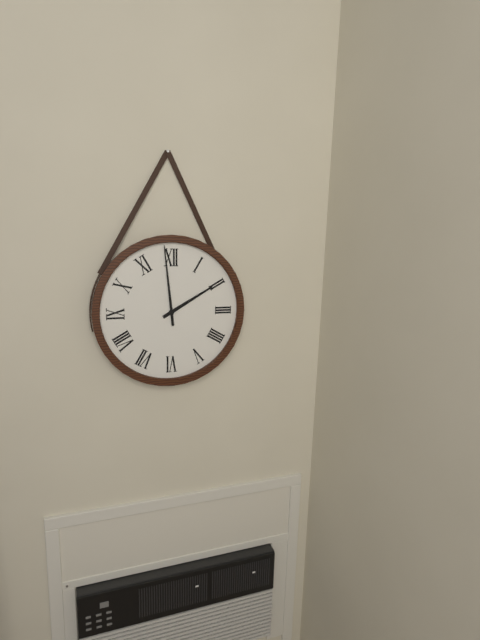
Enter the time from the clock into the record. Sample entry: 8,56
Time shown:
1,59
